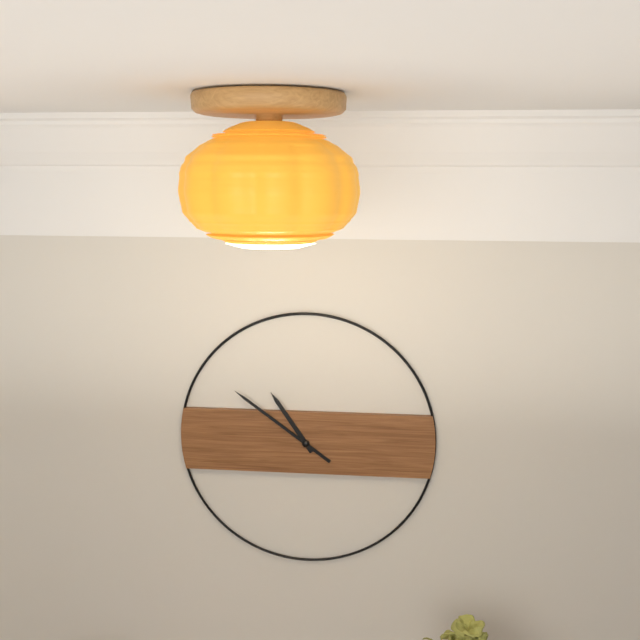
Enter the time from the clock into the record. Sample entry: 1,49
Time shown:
10,51
